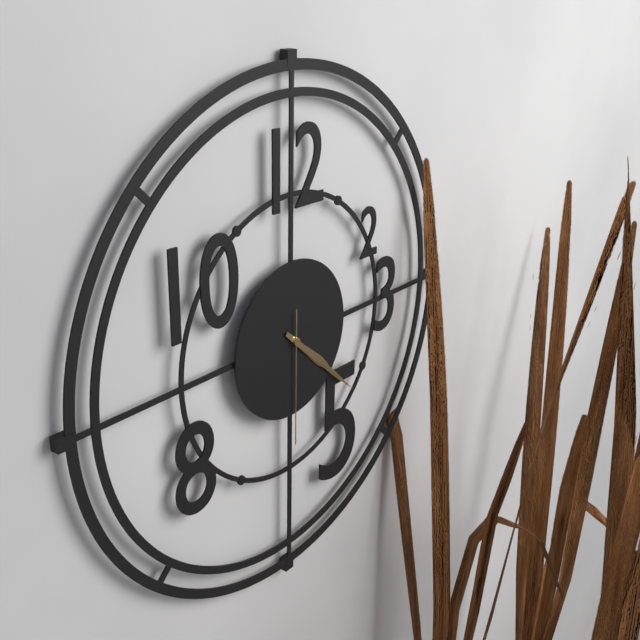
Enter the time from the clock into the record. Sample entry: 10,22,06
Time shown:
4,22,30
